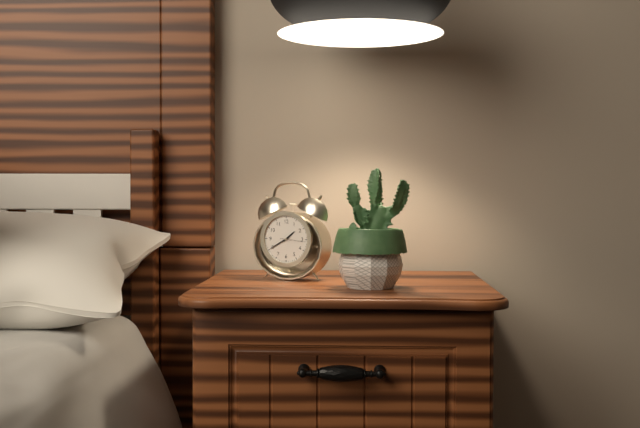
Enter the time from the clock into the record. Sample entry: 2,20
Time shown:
1,40
